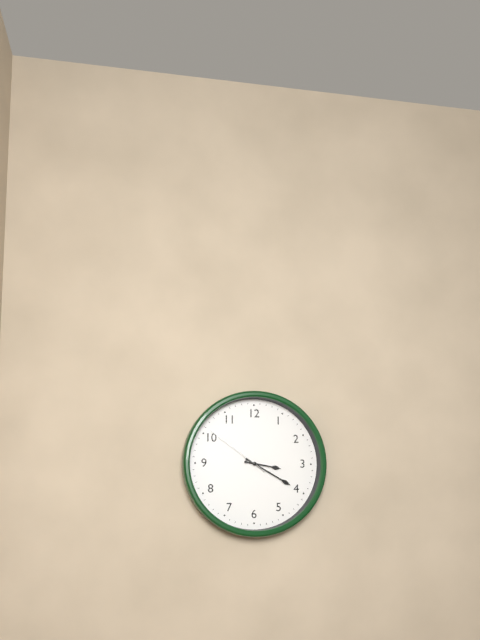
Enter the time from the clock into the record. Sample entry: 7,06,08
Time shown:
3,20,51
